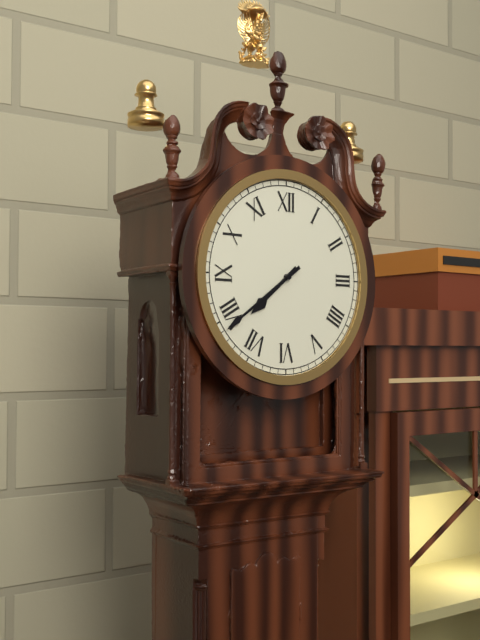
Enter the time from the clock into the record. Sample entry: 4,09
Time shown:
7,39
